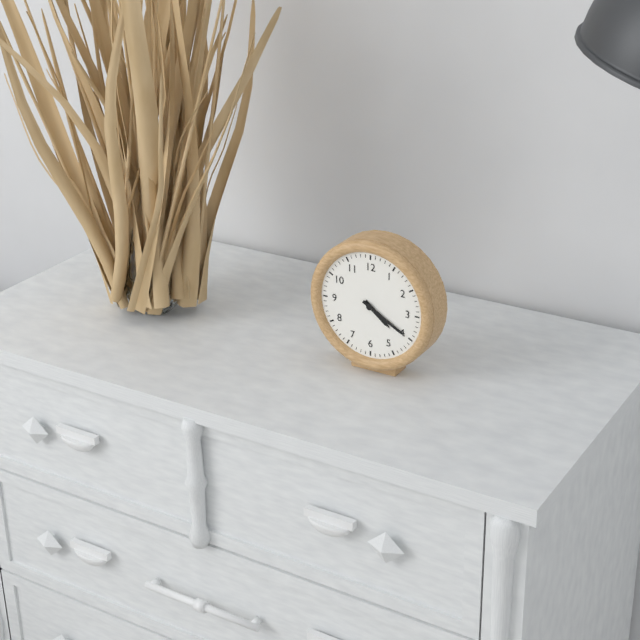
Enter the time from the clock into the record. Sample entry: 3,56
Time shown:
4,20
